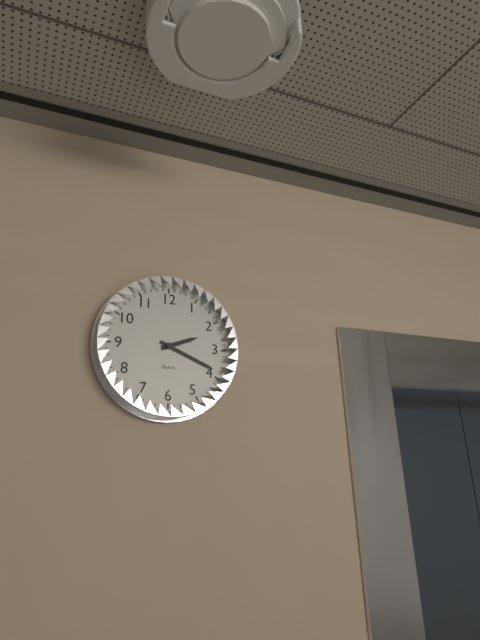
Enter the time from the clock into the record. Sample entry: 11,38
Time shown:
2,19
